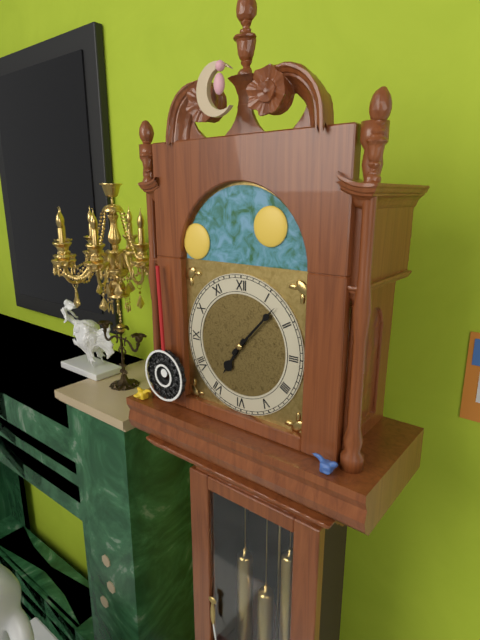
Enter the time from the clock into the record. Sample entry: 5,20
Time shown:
7,07
